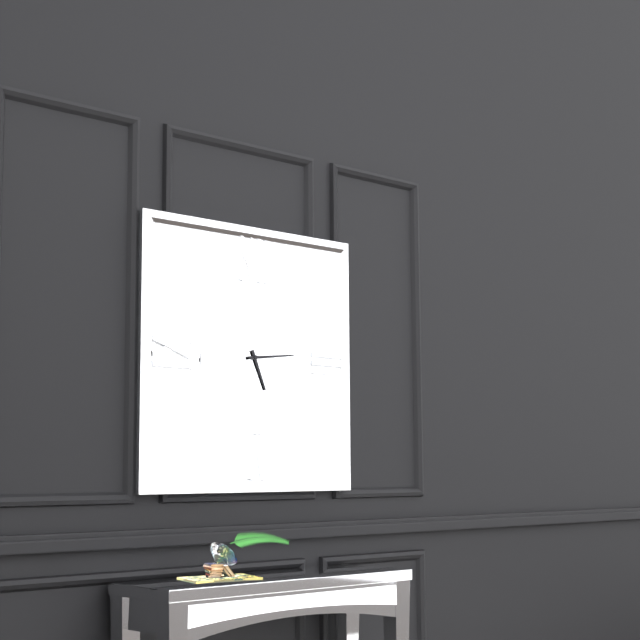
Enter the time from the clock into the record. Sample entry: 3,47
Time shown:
5,14
